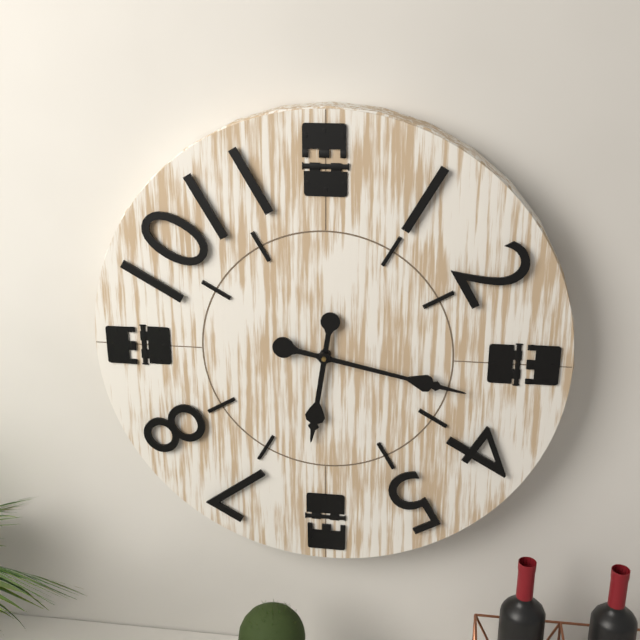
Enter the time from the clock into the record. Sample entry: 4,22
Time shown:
6,17
